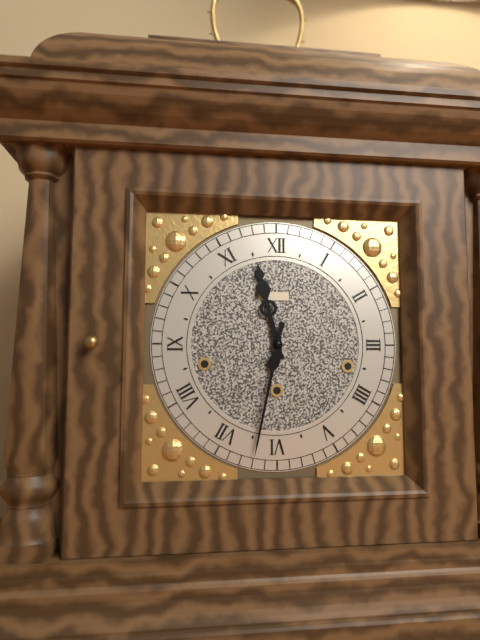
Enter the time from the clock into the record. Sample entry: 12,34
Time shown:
11,32
